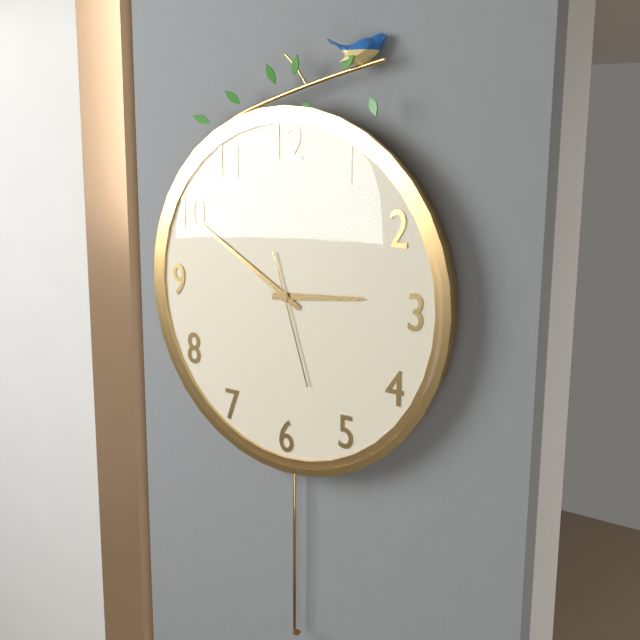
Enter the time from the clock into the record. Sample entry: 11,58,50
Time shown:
2,50,27
